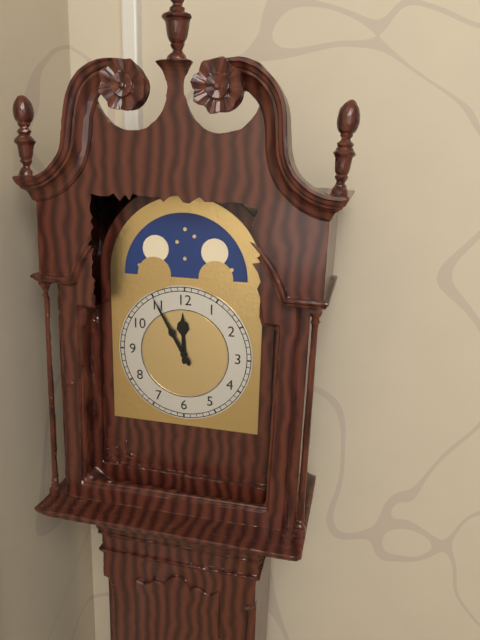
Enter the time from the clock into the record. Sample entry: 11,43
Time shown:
11,55
